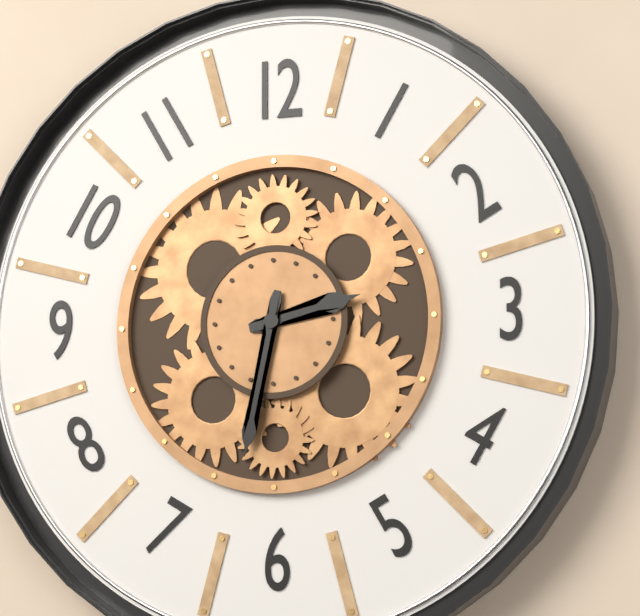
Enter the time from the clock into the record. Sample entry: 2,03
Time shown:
2,32
